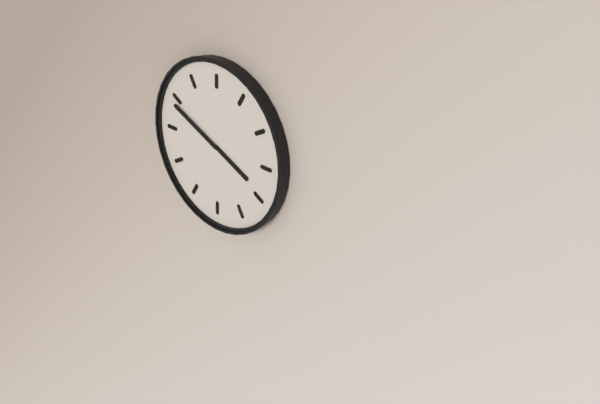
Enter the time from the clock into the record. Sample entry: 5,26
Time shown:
3,49
